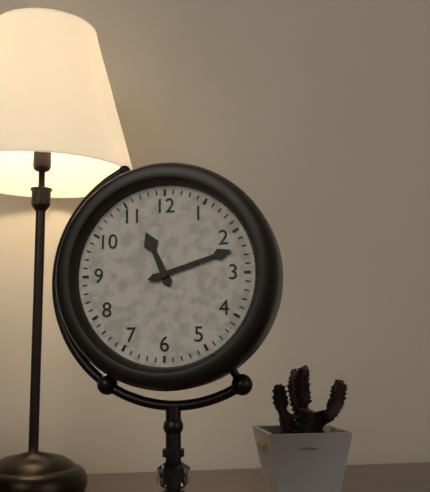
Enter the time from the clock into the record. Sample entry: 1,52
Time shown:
11,12
